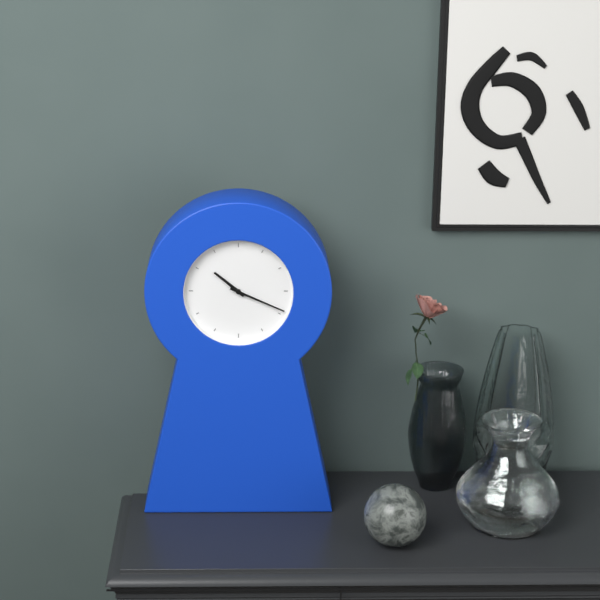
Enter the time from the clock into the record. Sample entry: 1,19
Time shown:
10,19
